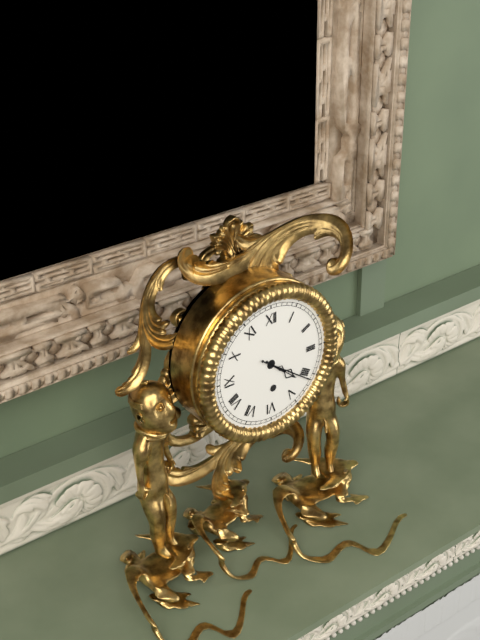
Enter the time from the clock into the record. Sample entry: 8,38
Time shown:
4,21
